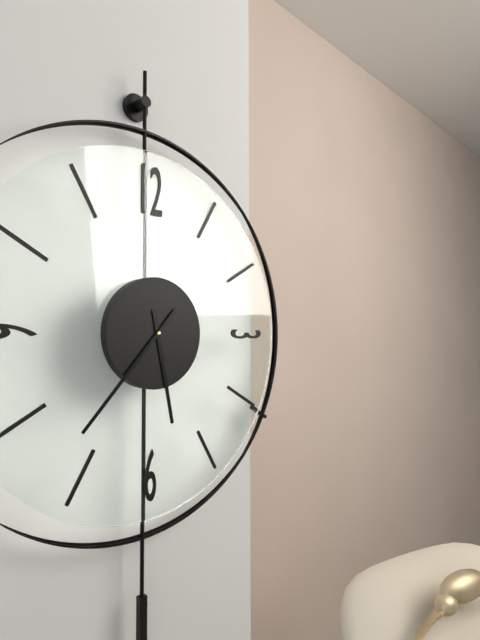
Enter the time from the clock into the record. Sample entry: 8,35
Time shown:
5,37
